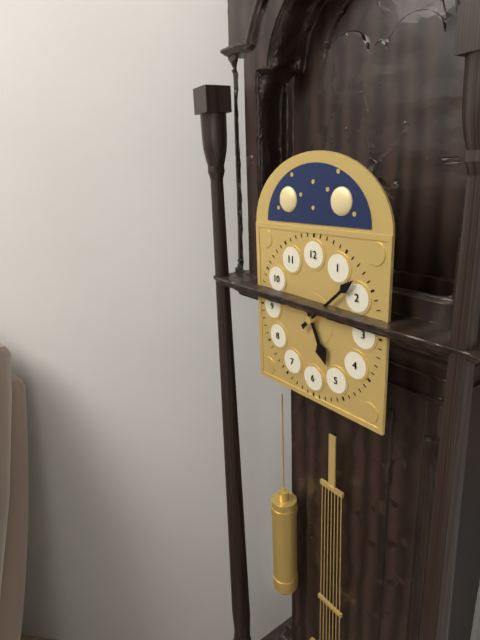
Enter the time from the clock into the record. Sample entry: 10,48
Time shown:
5,08
